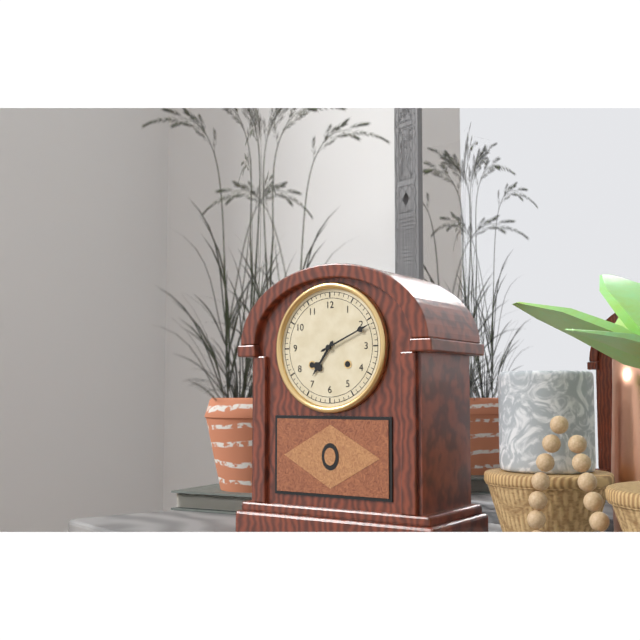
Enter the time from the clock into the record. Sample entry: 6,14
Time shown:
7,11
